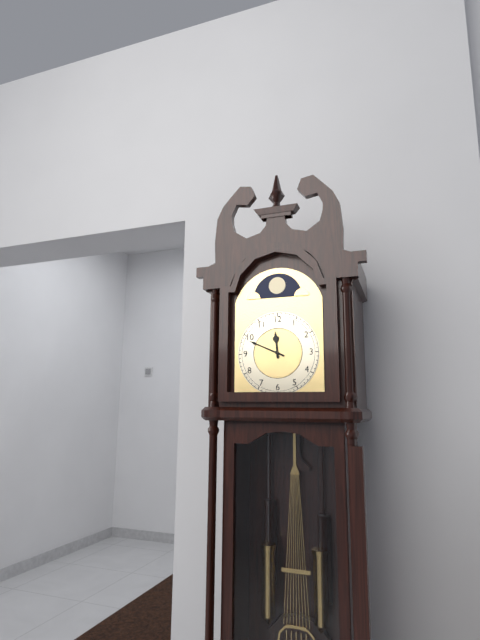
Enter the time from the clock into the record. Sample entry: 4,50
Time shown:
11,49
